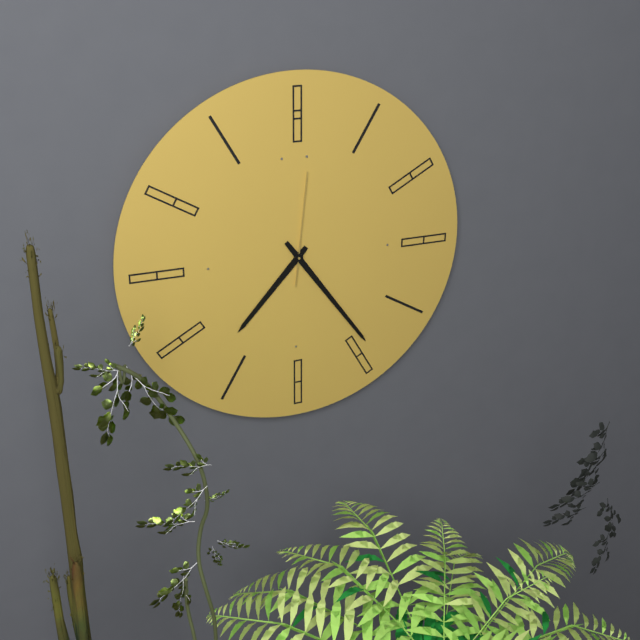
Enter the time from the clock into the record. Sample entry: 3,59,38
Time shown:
7,24,01
